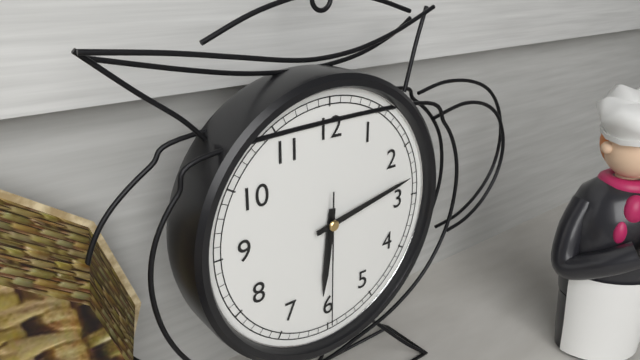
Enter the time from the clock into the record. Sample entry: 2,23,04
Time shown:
6,13,30
